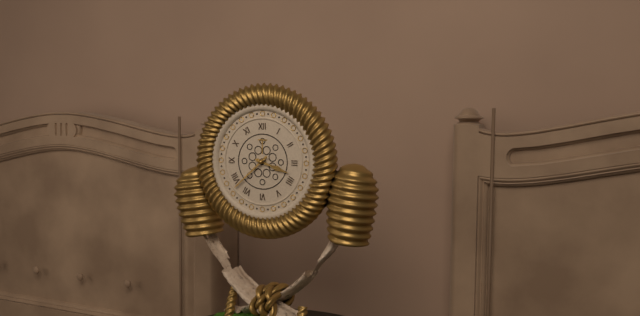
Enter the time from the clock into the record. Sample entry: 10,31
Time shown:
3,38
